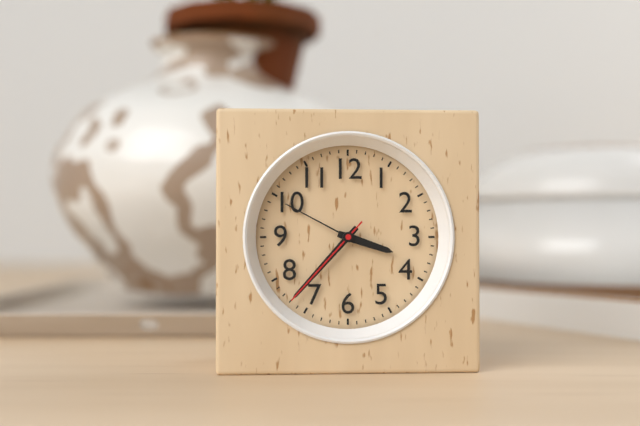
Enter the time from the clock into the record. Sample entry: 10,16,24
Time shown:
3,37,37
